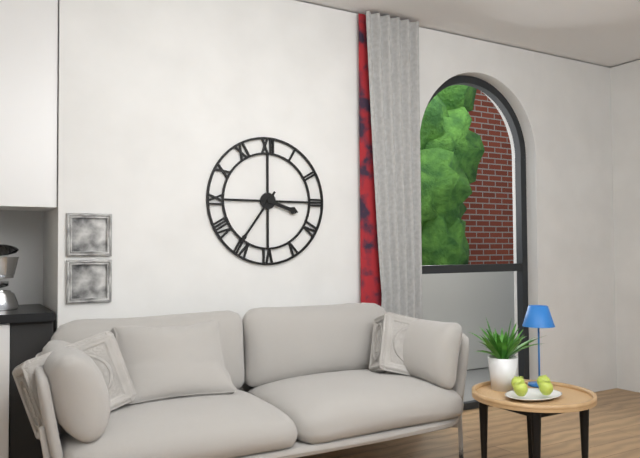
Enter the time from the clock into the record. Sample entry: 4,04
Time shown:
3,36
